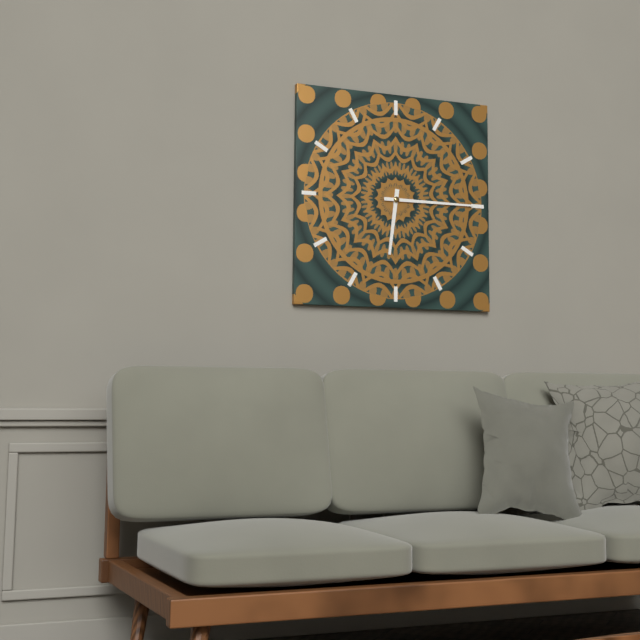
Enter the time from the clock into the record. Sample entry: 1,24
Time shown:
6,15
